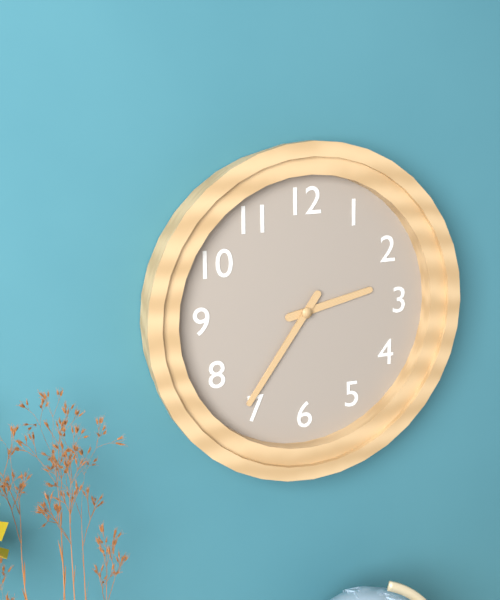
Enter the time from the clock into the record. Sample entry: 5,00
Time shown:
2,36
